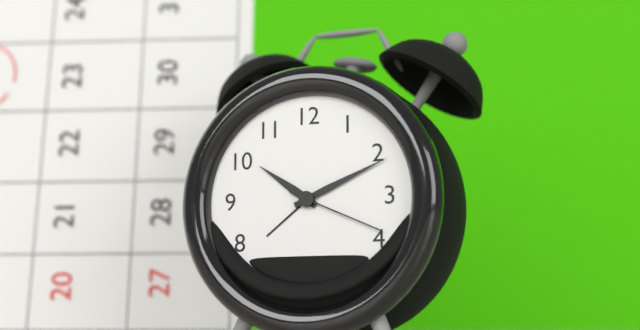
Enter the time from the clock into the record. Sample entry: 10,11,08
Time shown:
10,11,19
